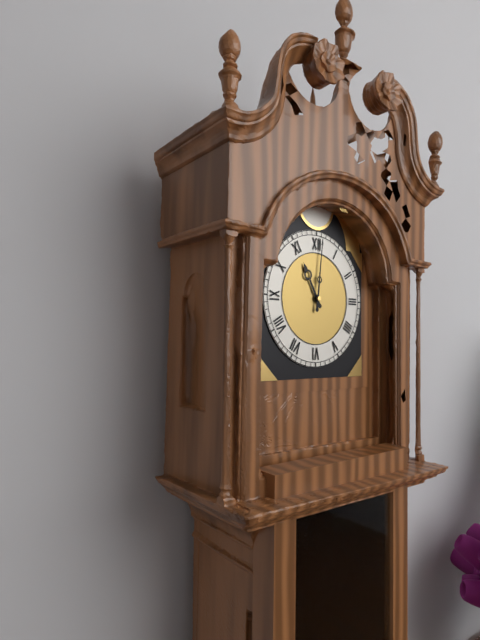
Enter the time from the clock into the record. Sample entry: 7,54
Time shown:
11,01
